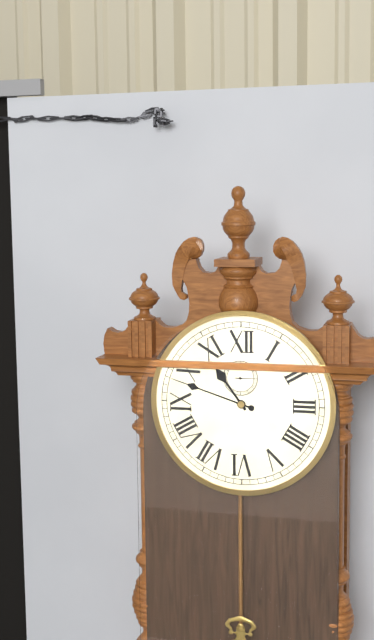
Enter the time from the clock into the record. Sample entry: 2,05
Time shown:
10,48
